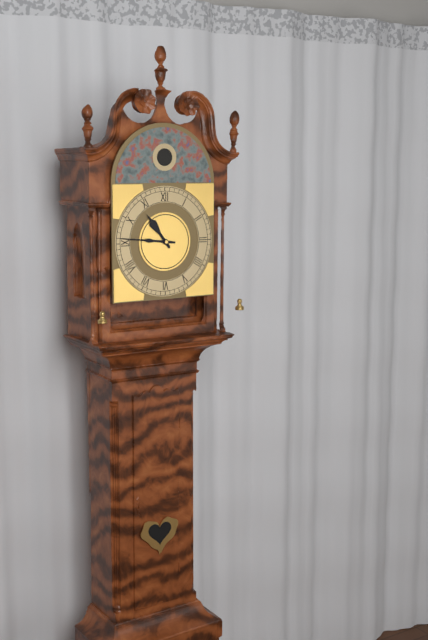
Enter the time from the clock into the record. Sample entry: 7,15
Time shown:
10,46
